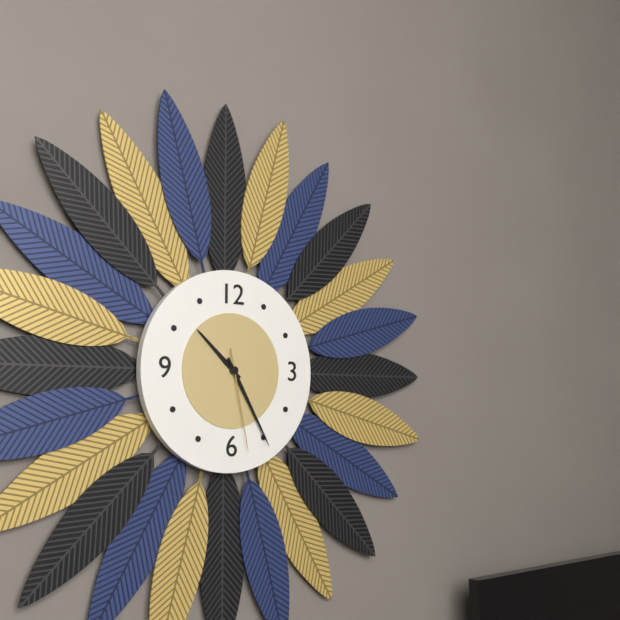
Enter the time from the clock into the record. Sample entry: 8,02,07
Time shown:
10,25,28
